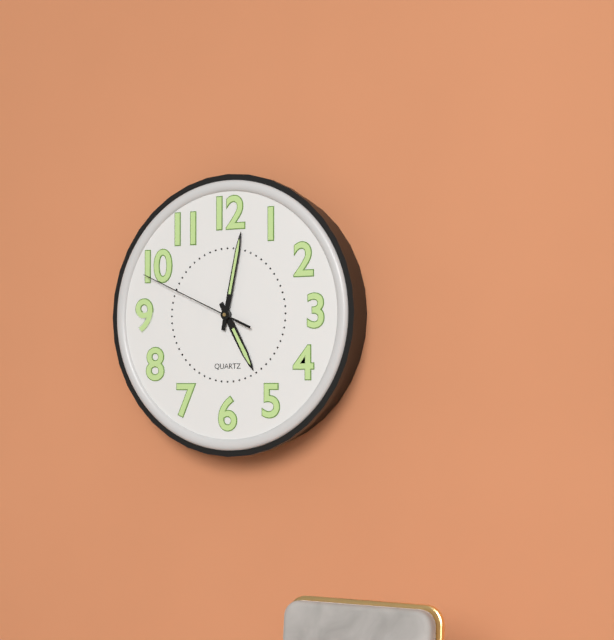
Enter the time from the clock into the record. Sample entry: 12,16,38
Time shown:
5,02,49
